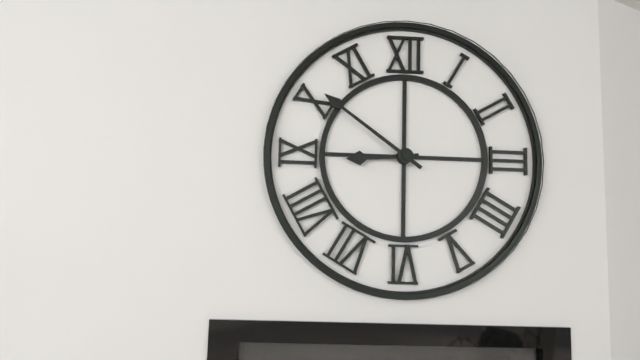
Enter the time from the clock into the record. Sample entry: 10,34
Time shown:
8,51
